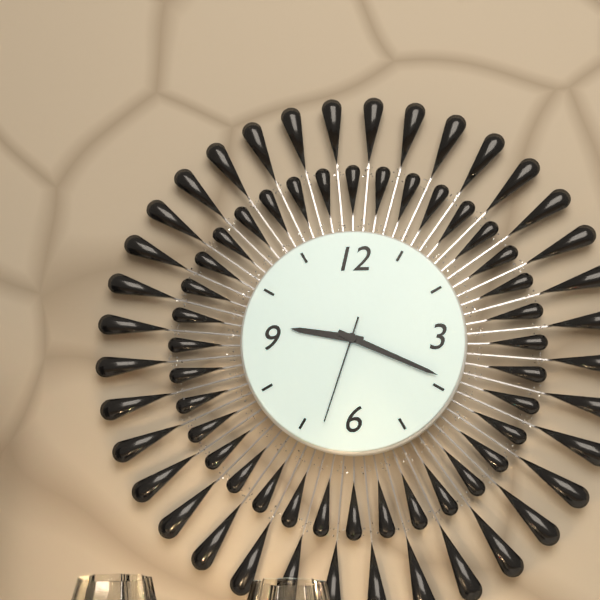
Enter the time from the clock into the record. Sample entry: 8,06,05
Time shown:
9,19,33
